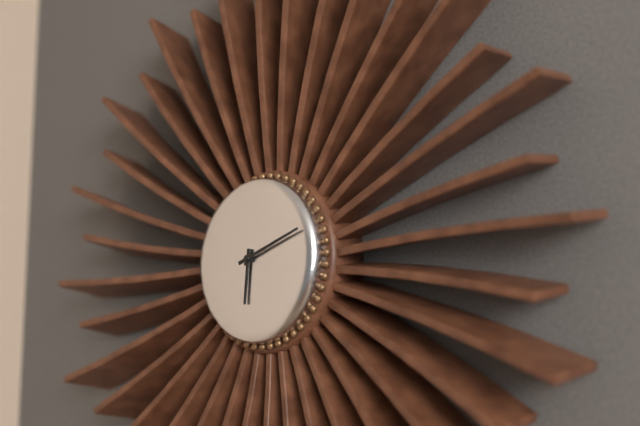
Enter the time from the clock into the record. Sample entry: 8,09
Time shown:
6,12
